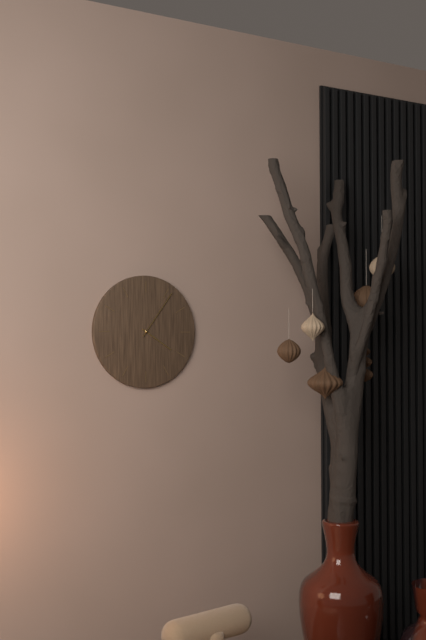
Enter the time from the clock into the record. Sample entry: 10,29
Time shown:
4,06
